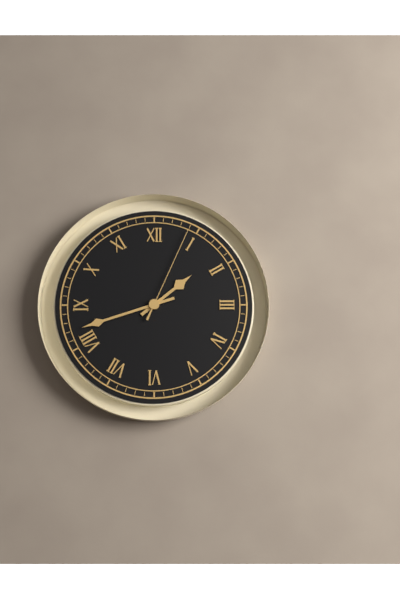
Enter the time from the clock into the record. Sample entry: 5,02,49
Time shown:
1,42,04
